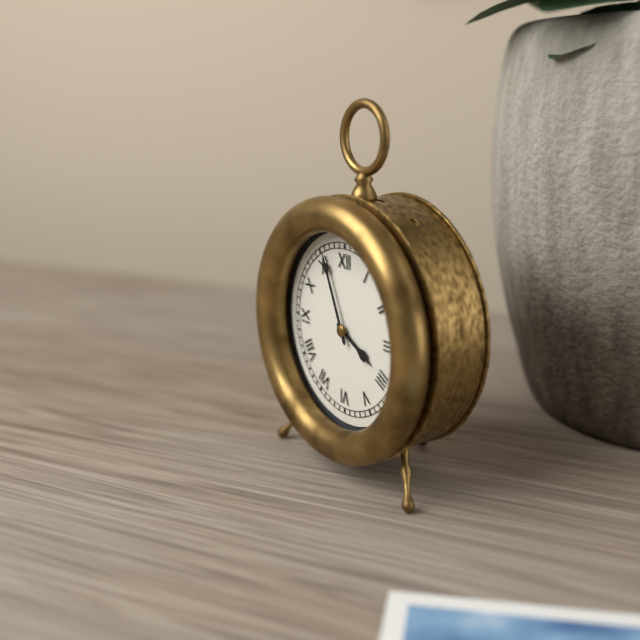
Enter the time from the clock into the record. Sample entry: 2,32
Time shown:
3,56
